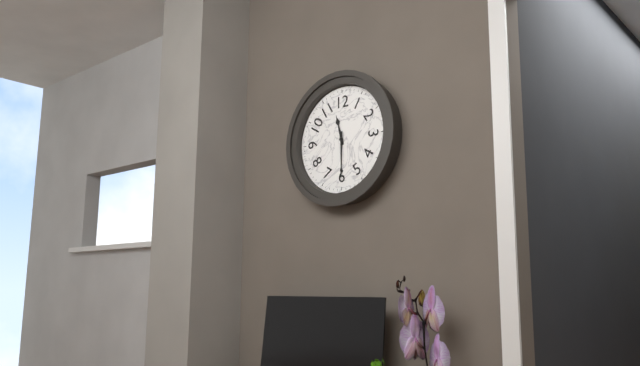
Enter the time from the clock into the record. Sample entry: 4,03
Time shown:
11,30
